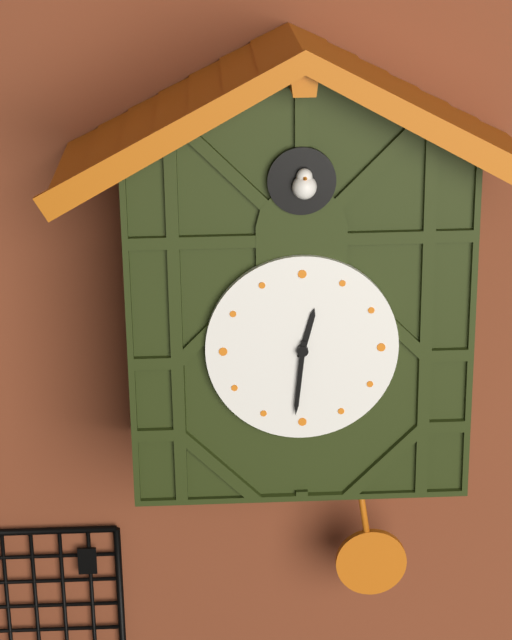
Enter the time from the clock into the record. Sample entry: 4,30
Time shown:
12,31
